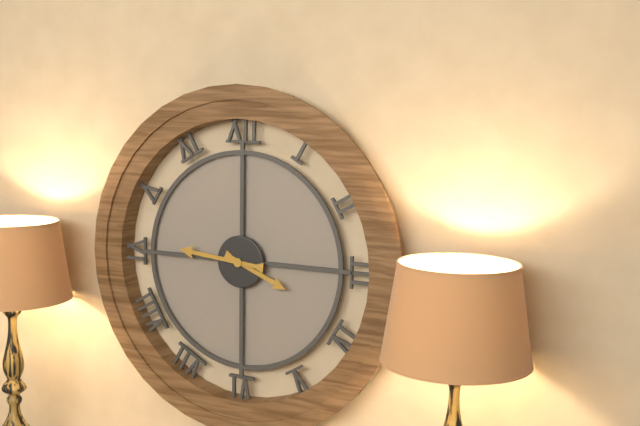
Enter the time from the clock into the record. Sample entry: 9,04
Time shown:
3,46
